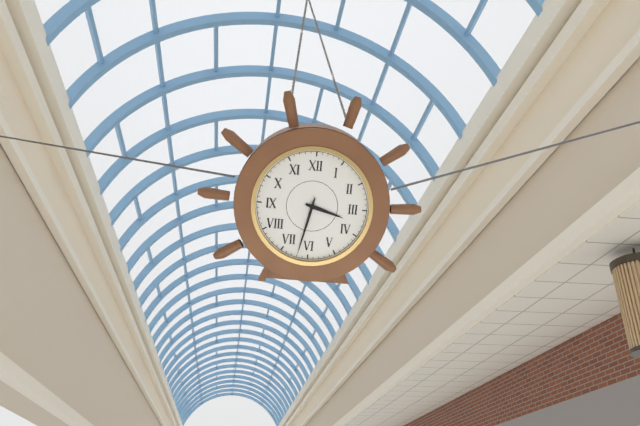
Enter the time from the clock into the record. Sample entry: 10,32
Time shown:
3,32
